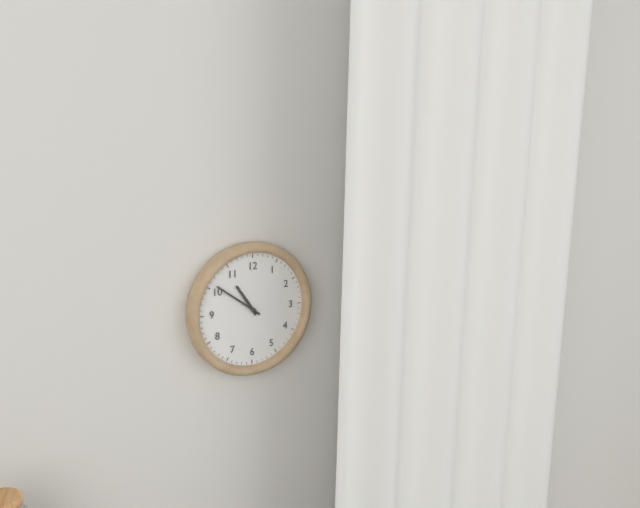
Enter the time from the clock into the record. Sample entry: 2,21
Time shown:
10,51
